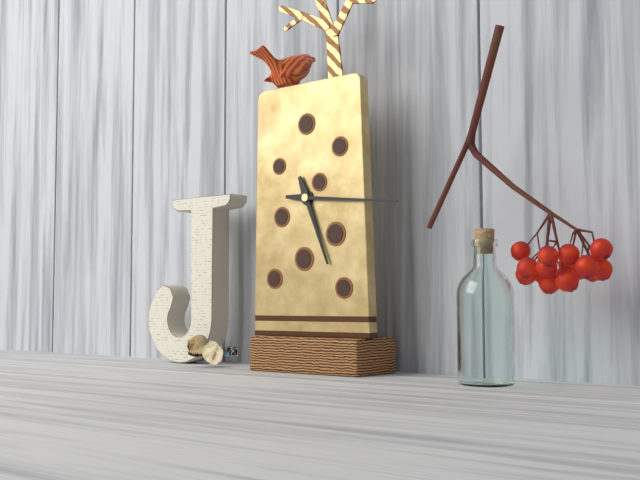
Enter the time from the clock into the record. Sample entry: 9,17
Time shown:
5,16
